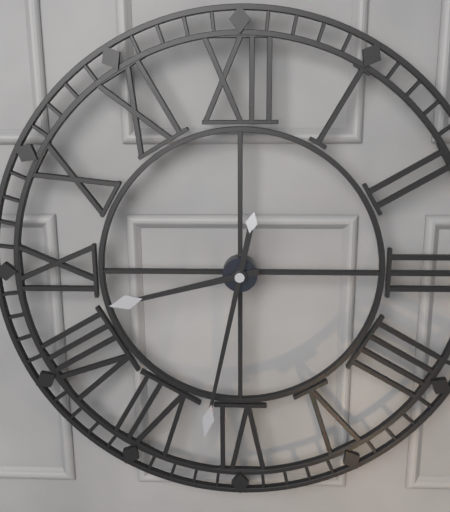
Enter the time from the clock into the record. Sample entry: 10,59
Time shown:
8,32
